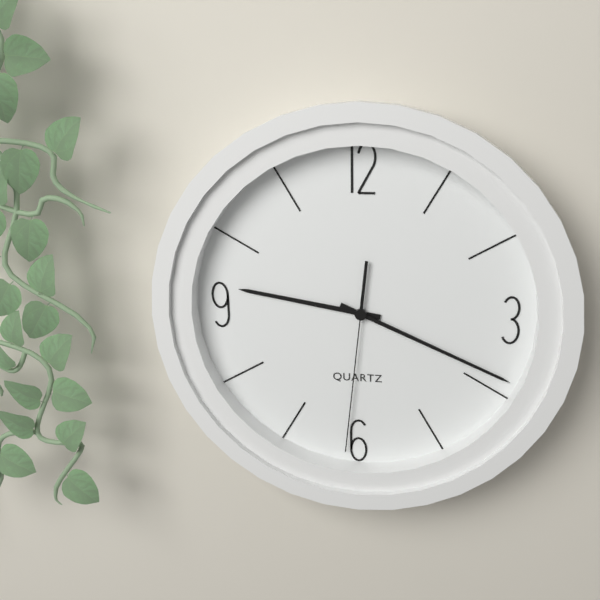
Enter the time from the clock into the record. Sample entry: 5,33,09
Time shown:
9,19,31
